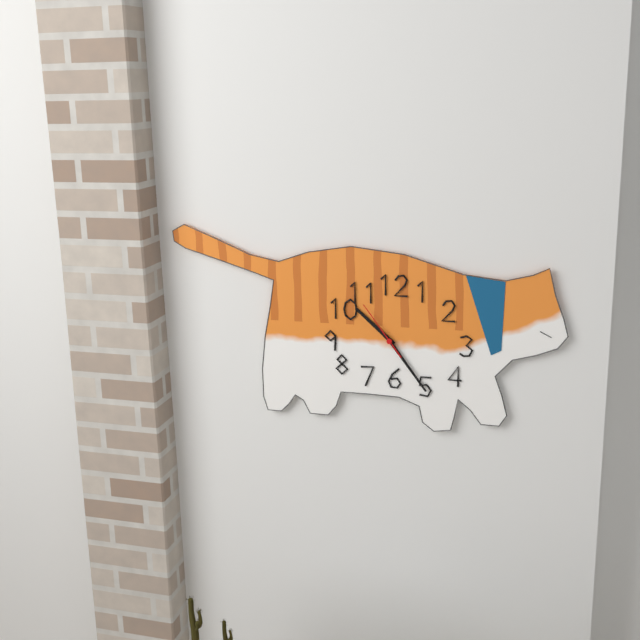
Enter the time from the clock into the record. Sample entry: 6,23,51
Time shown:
10,24,54
